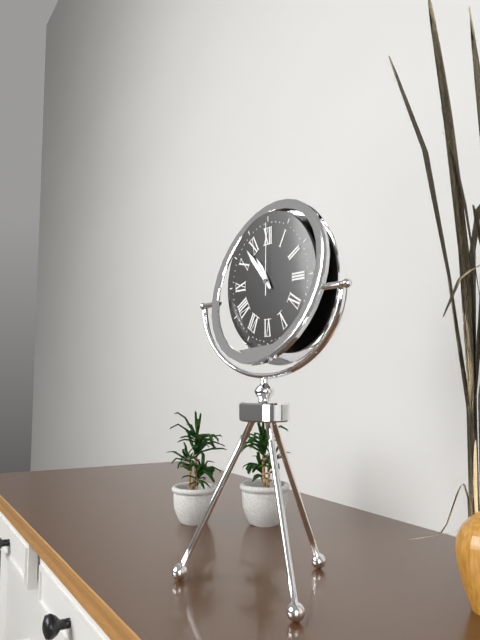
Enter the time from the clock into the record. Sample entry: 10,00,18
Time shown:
10,53,00
